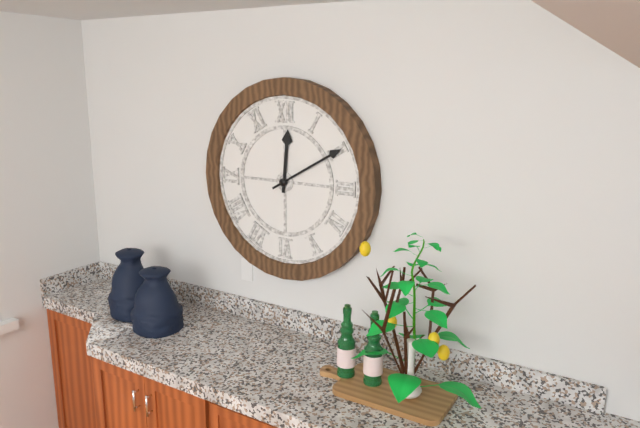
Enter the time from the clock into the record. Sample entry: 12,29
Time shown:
12,10
